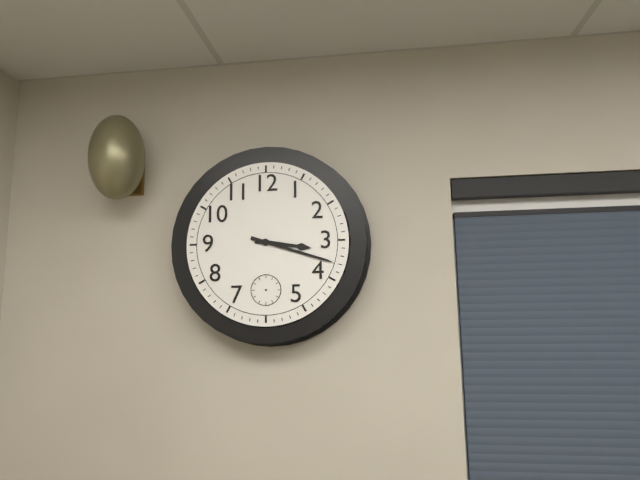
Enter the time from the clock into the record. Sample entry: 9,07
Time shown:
3,18
